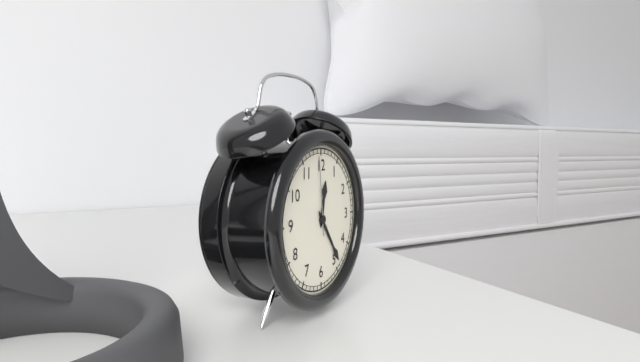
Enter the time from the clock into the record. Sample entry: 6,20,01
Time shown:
12,24,59
